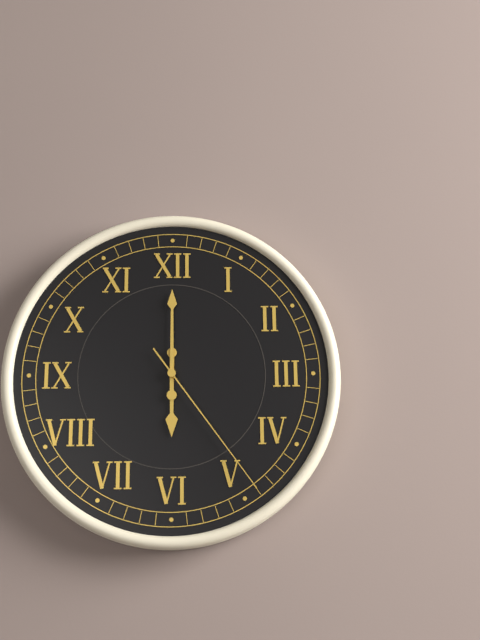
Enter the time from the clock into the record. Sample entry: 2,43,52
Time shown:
6,00,24
